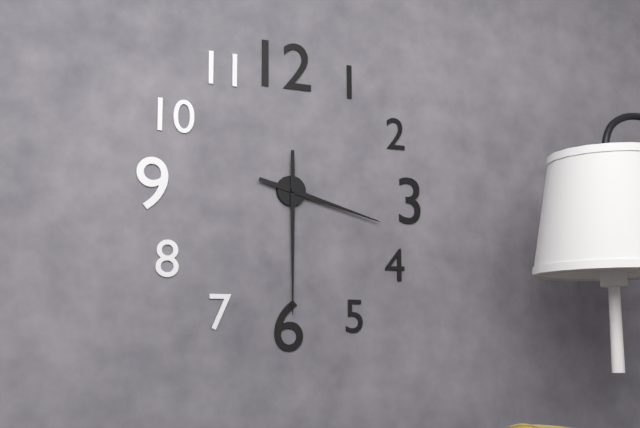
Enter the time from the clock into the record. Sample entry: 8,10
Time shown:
3,30
